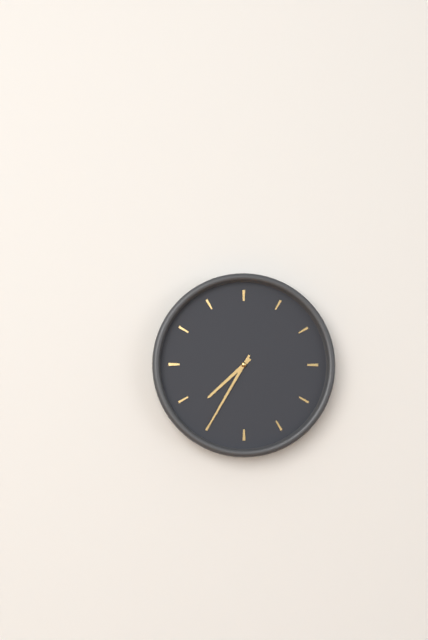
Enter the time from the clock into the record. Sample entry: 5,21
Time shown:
7,35
